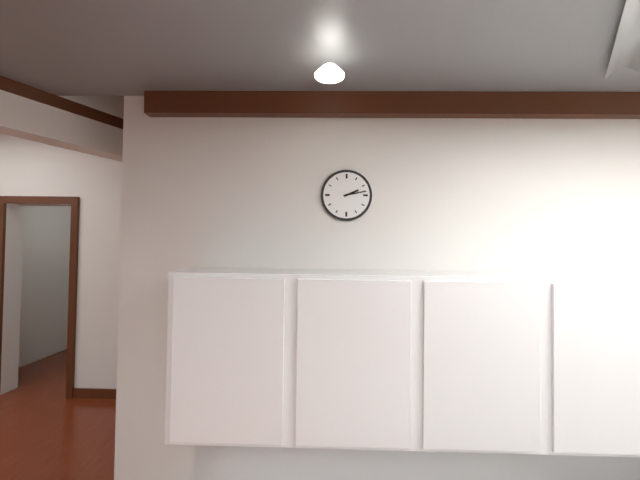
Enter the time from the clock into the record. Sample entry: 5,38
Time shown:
2,13
